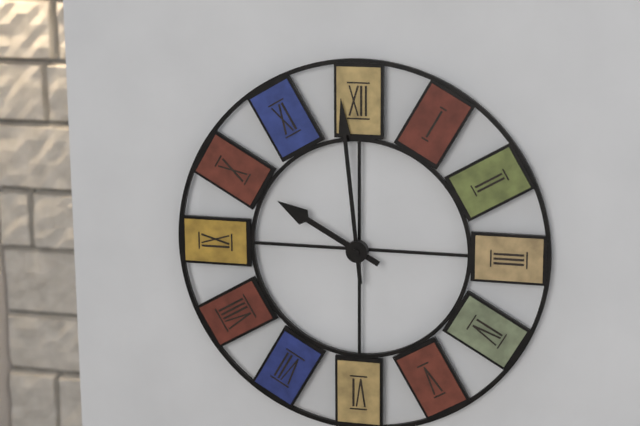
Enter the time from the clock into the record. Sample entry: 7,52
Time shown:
9,59
